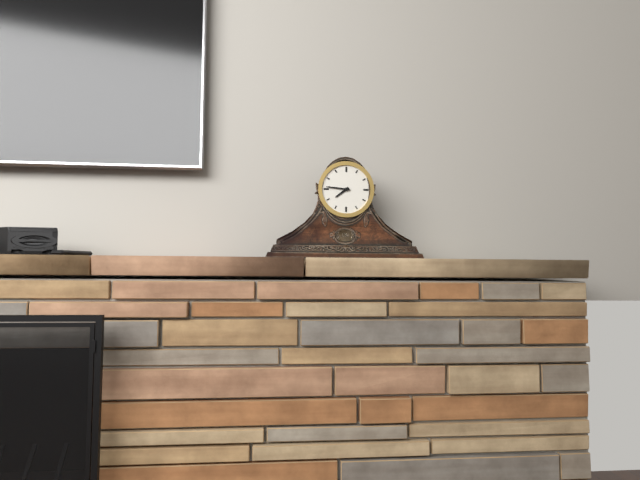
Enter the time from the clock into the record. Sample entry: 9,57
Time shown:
7,46
